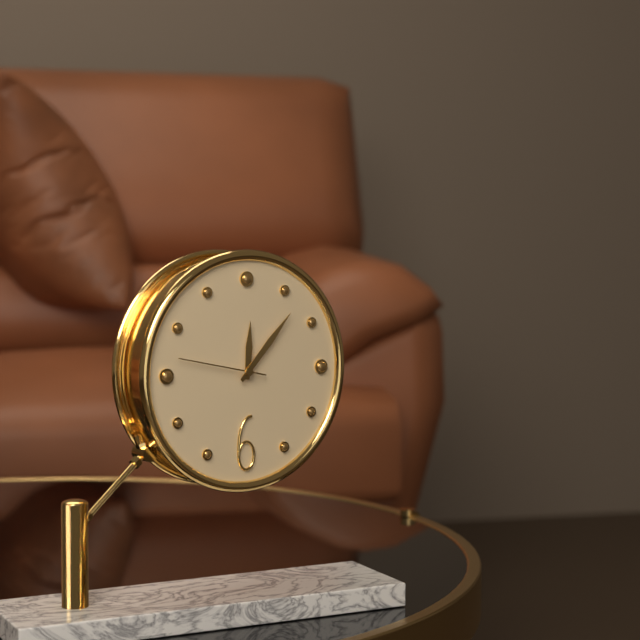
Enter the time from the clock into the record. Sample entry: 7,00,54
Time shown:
12,07,47
